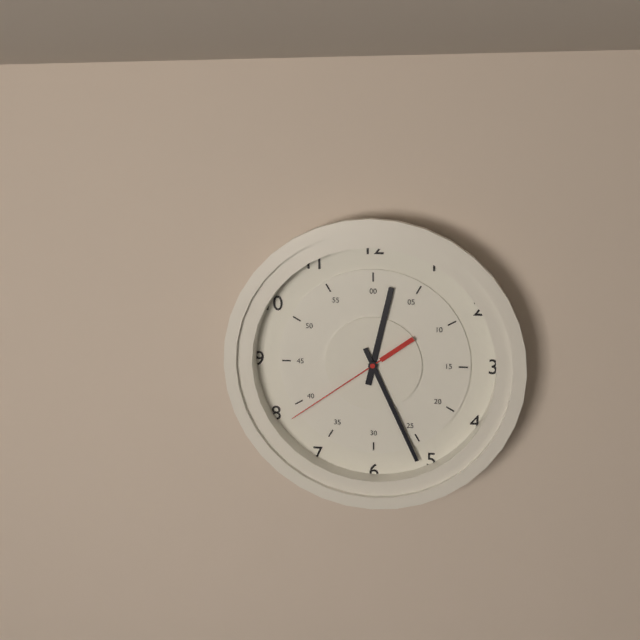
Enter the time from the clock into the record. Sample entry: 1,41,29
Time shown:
12,26,39
